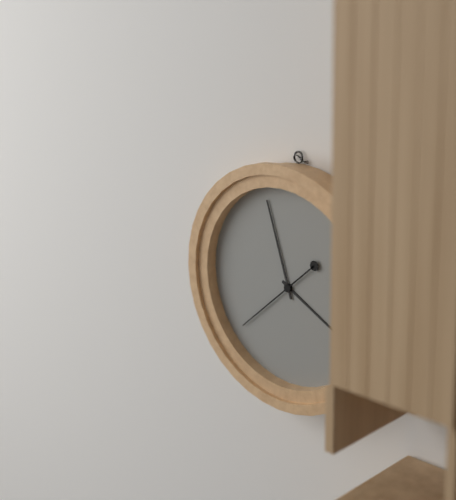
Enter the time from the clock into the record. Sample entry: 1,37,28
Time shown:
3,57,38
